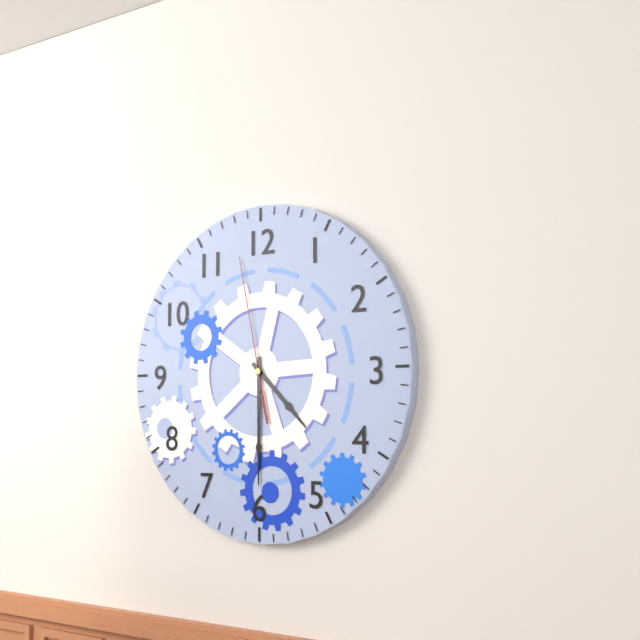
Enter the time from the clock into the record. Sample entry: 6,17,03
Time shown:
4,30,58
